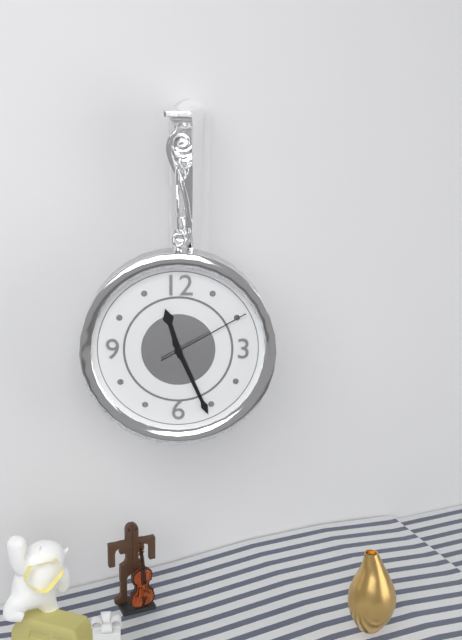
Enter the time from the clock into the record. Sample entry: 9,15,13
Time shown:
11,26,10
